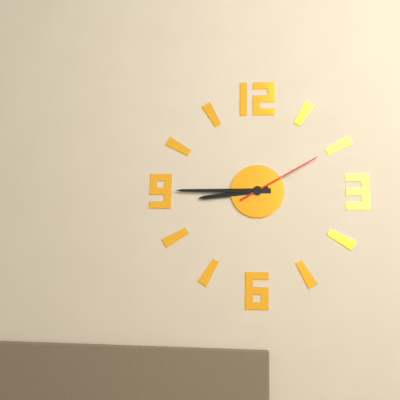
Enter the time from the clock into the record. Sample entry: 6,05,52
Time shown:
8,45,10
